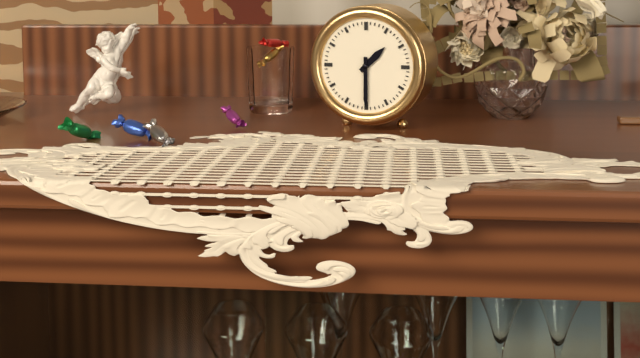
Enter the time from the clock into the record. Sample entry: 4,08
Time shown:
1,30
